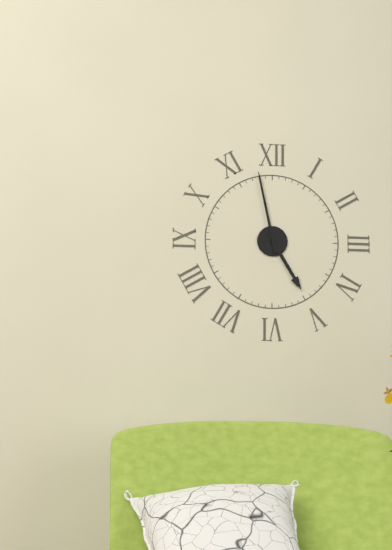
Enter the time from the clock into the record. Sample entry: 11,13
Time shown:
4,58
